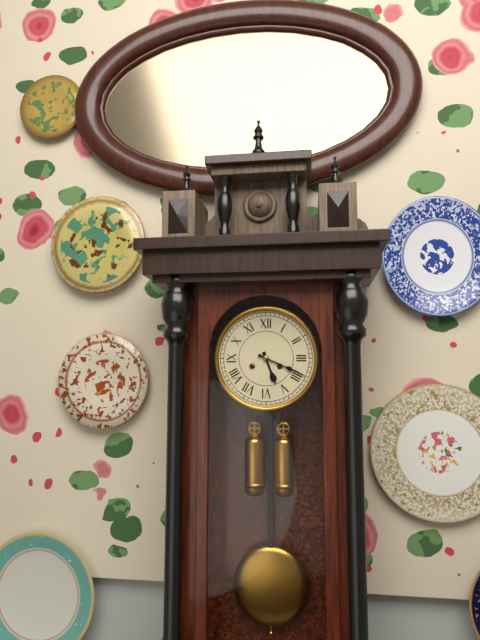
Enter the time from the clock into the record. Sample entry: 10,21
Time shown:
5,19
